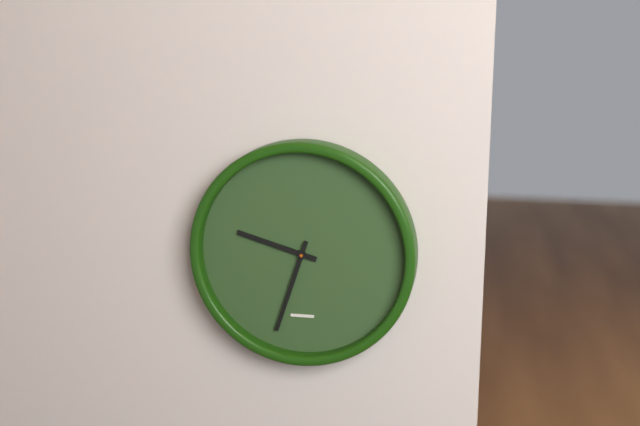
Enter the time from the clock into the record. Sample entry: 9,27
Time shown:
9,33
